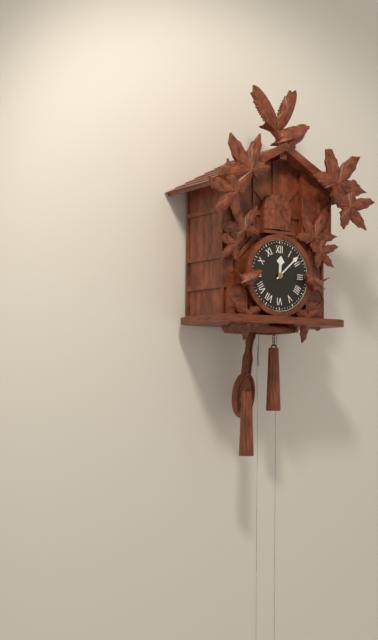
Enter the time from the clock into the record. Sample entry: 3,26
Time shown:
12,08
